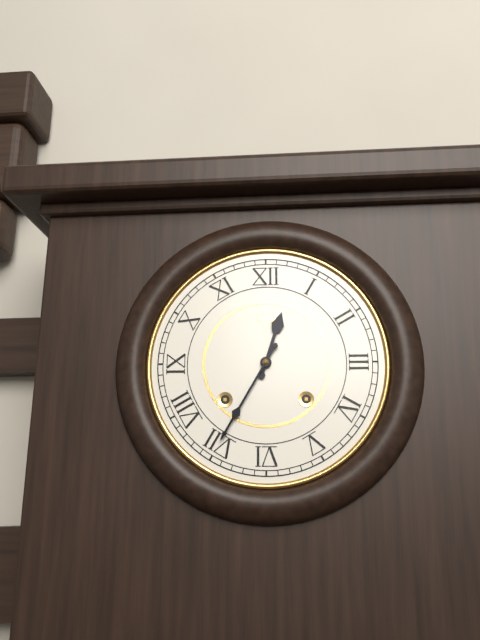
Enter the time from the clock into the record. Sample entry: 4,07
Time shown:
12,35
